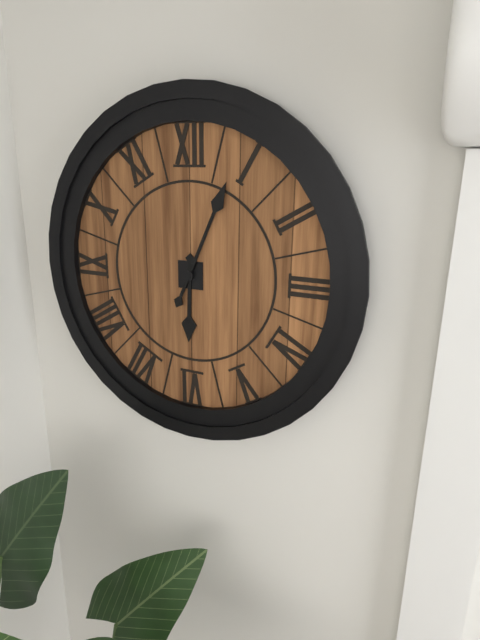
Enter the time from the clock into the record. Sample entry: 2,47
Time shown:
6,04
